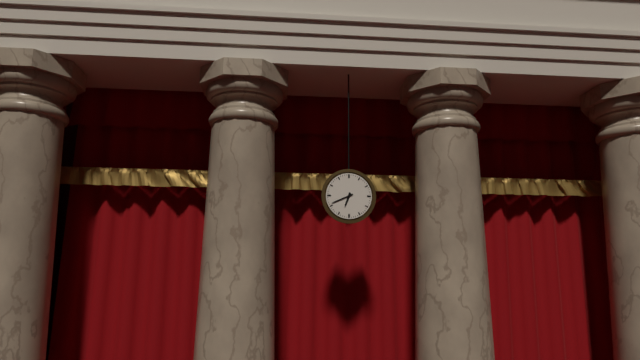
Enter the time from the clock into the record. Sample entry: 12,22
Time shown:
6,41
